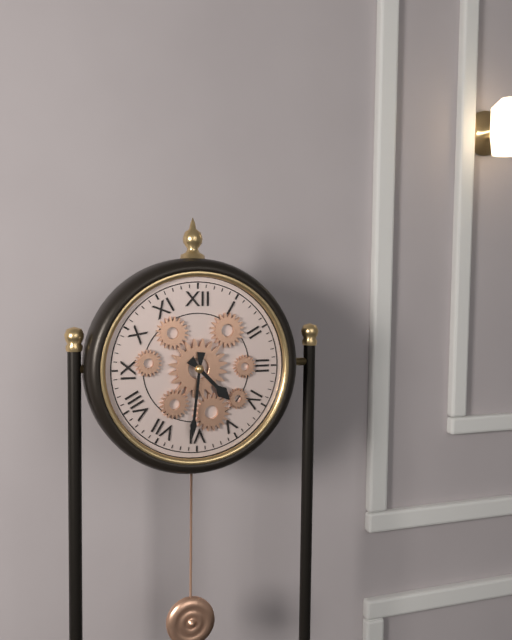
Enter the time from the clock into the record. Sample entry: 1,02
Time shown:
4,31
